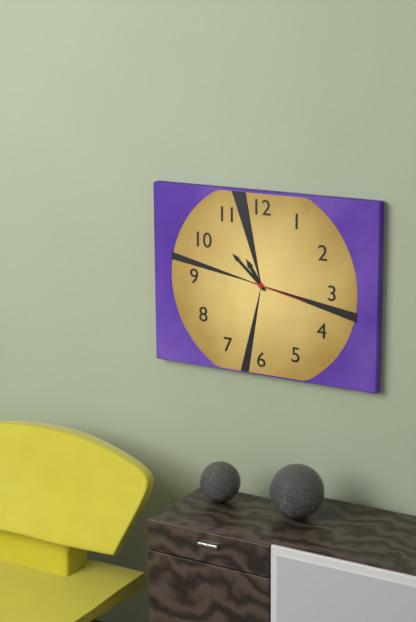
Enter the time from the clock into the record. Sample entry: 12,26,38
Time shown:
10,52,17
